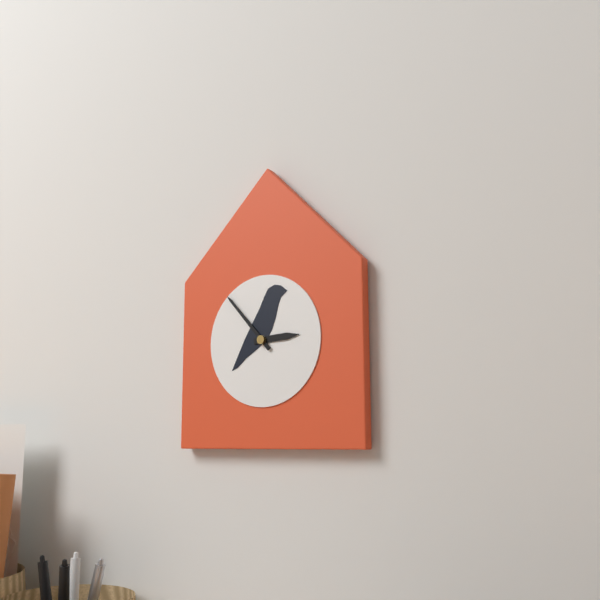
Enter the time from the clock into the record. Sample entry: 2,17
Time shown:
2,53
